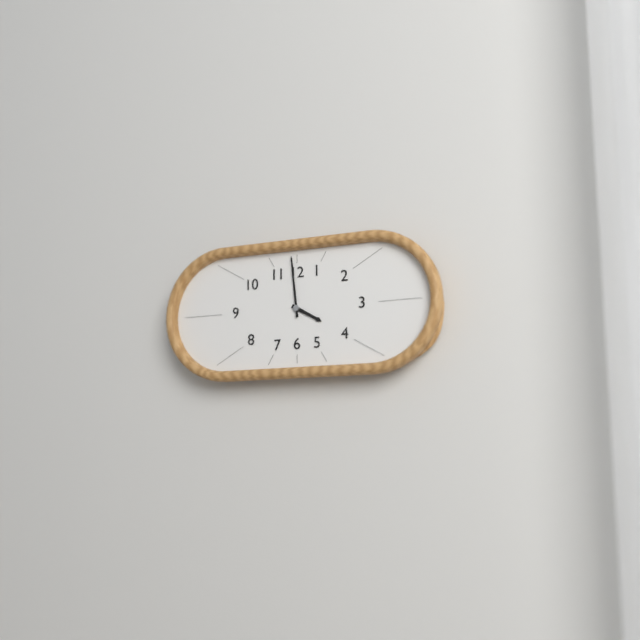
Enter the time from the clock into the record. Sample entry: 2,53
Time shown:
3,59
